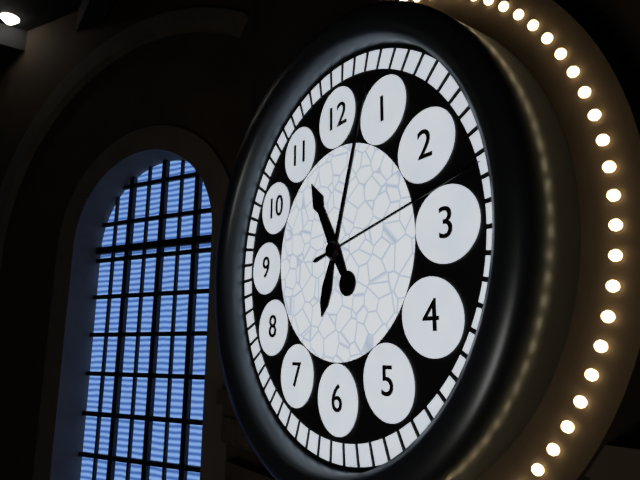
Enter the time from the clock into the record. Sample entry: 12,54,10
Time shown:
11,03,13
